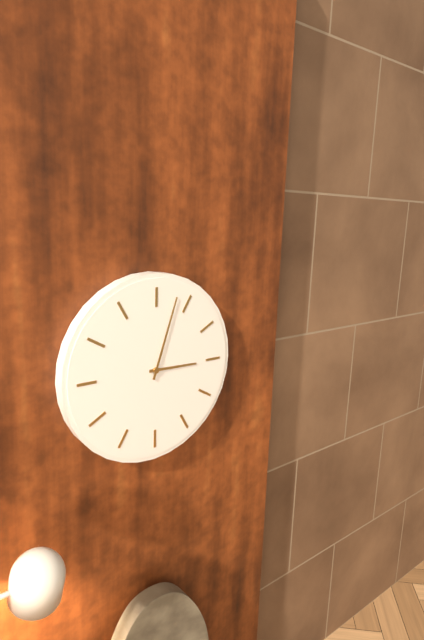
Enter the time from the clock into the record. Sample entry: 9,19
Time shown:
3,03
